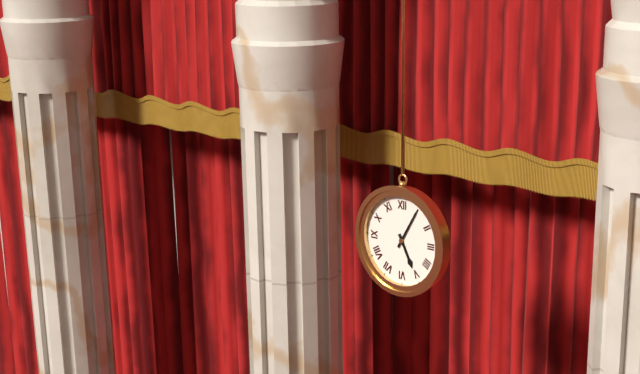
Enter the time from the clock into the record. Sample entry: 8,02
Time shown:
5,05
